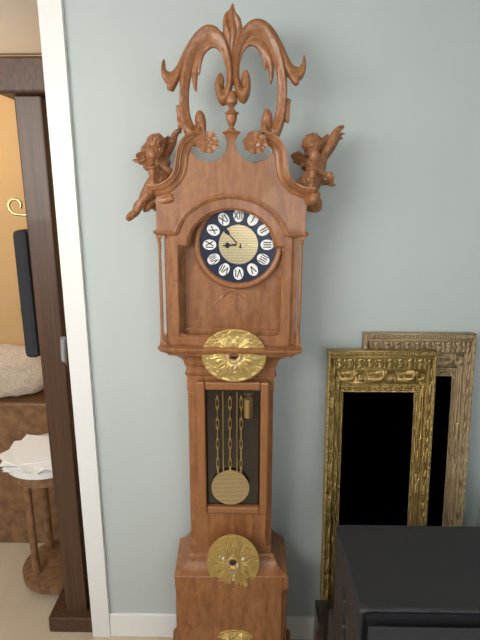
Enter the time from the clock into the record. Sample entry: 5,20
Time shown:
8,53
